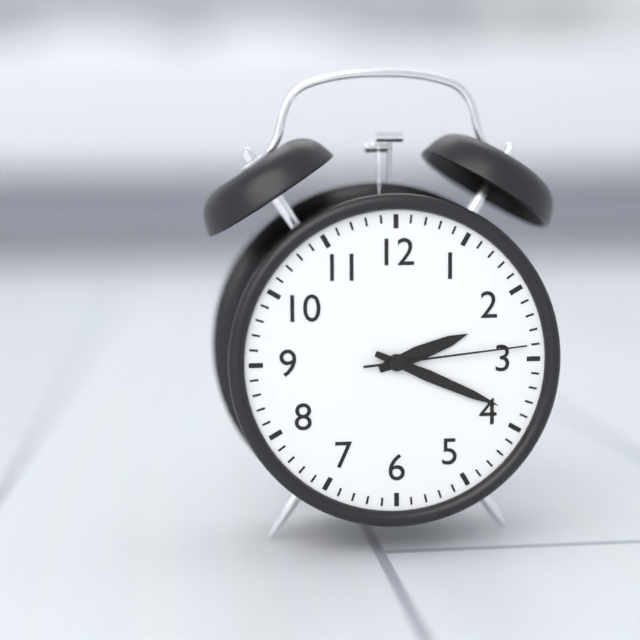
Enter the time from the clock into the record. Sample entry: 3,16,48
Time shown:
2,19,14
